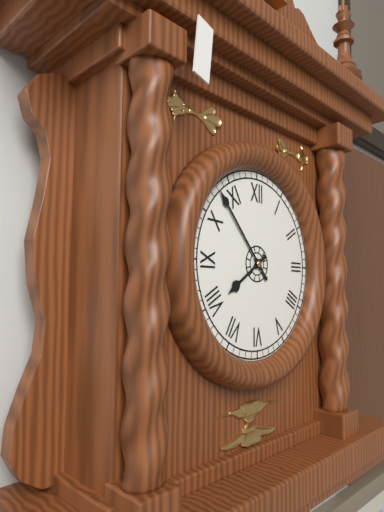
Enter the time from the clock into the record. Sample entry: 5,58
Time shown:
7,53
